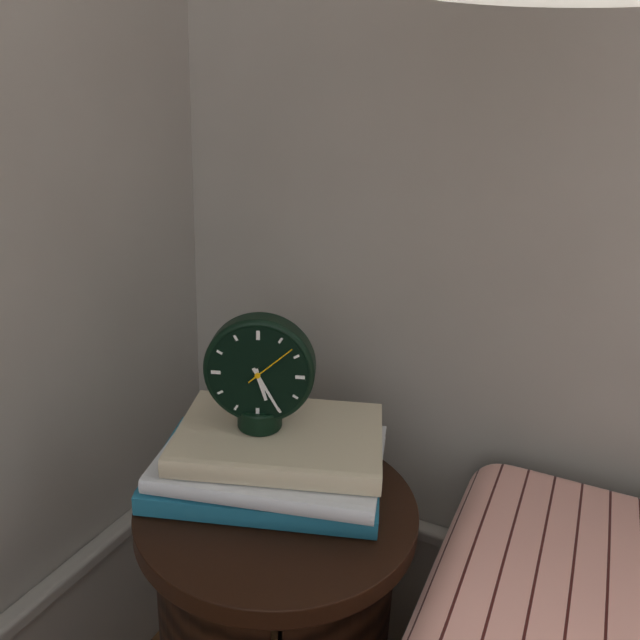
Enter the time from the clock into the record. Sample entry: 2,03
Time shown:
5,25
